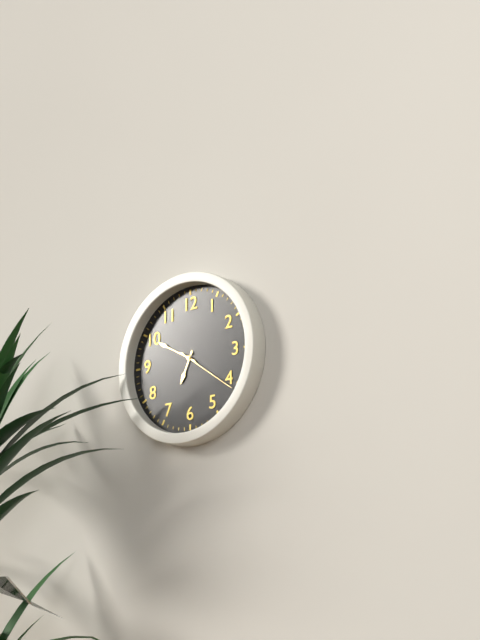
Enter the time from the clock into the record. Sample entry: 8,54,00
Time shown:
6,50,21
